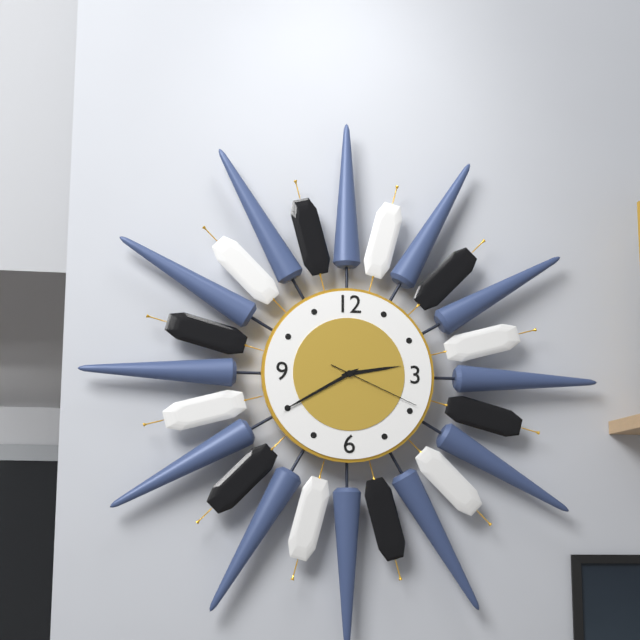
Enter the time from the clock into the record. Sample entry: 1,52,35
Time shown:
2,40,19
